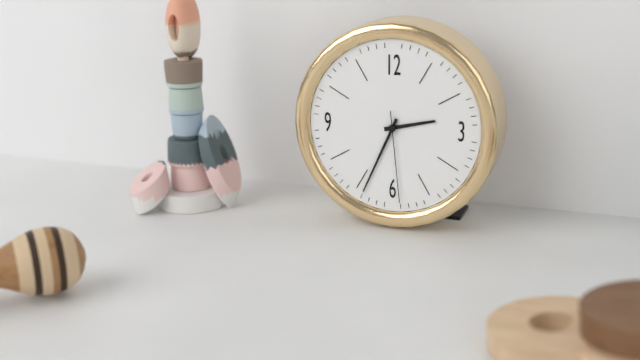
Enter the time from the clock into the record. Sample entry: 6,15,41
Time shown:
2,34,29
